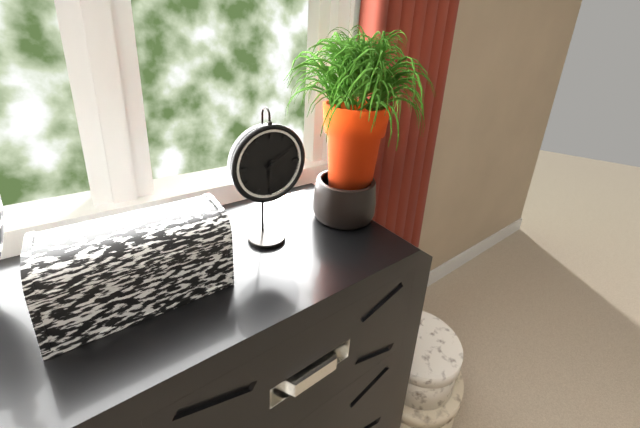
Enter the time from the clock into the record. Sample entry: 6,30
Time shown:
6,10
